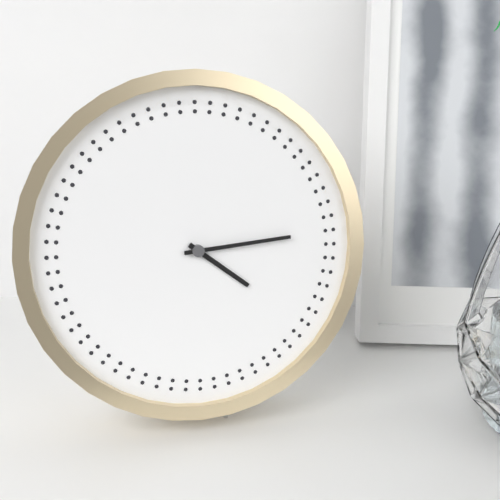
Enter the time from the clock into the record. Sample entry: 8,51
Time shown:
4,14
